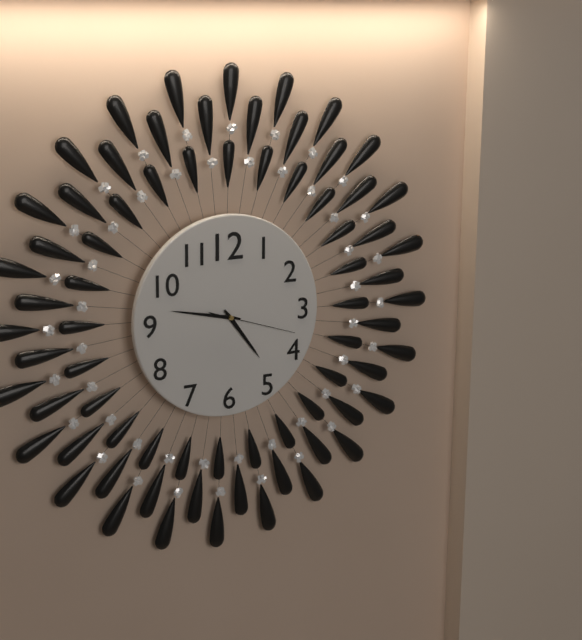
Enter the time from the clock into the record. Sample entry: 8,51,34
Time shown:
4,47,18
